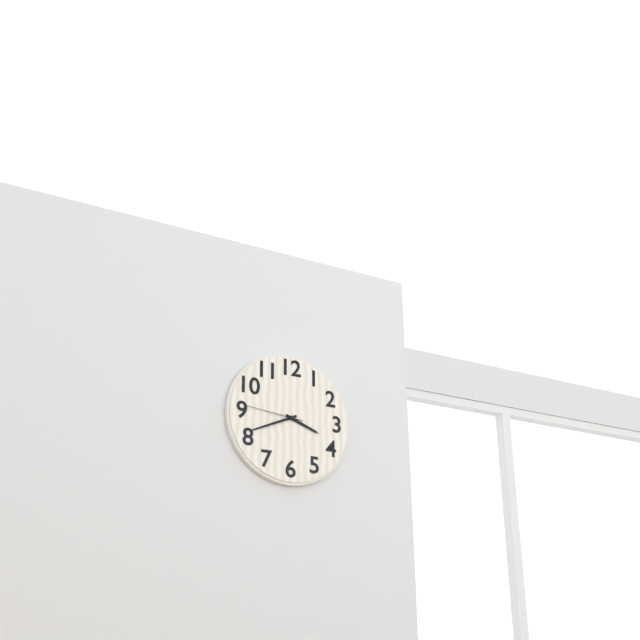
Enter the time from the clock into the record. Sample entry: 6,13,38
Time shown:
3,41,46
